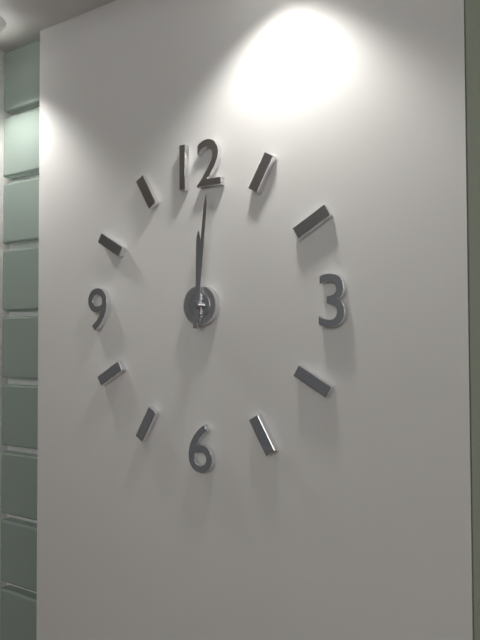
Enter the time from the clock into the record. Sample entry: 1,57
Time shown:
12,01
